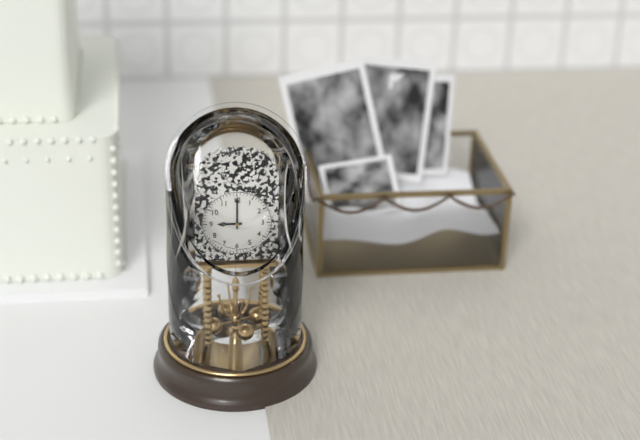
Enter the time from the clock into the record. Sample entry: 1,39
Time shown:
9,00
